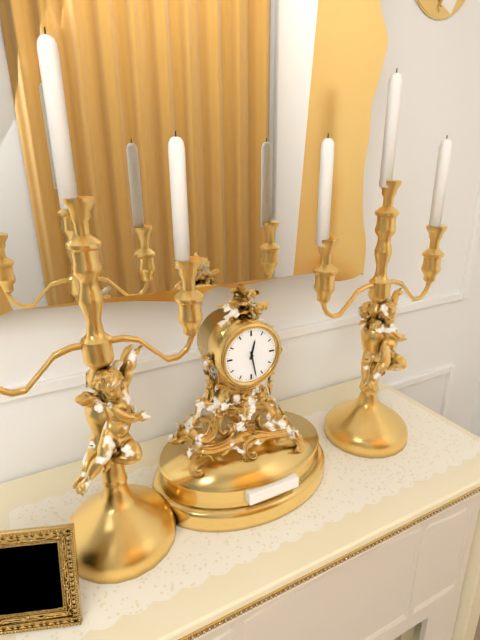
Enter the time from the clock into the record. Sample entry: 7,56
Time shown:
12,28
